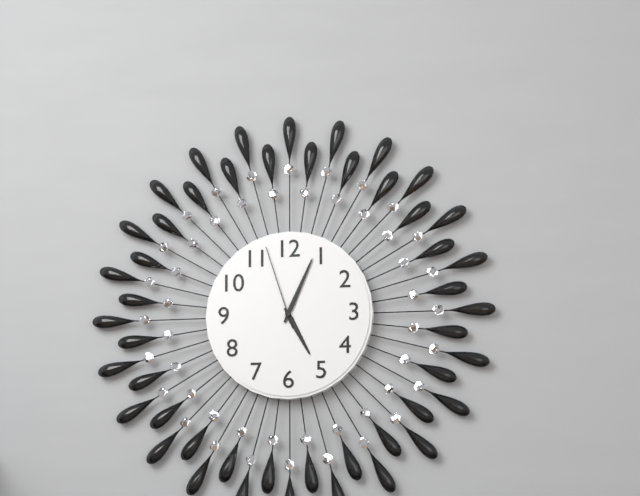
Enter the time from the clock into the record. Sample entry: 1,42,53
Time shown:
5,04,57
